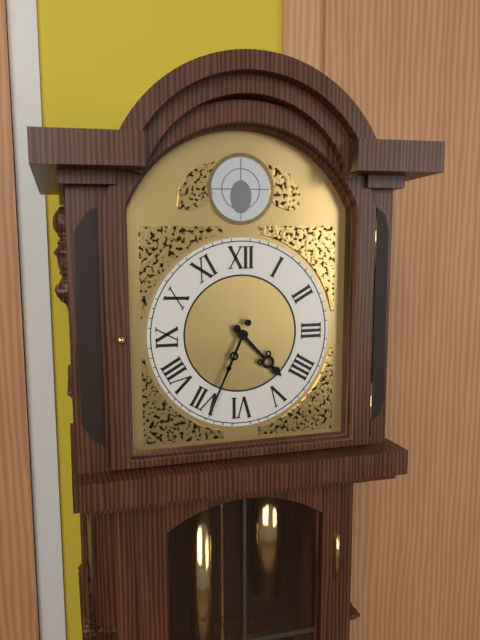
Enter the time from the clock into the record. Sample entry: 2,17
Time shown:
4,34
